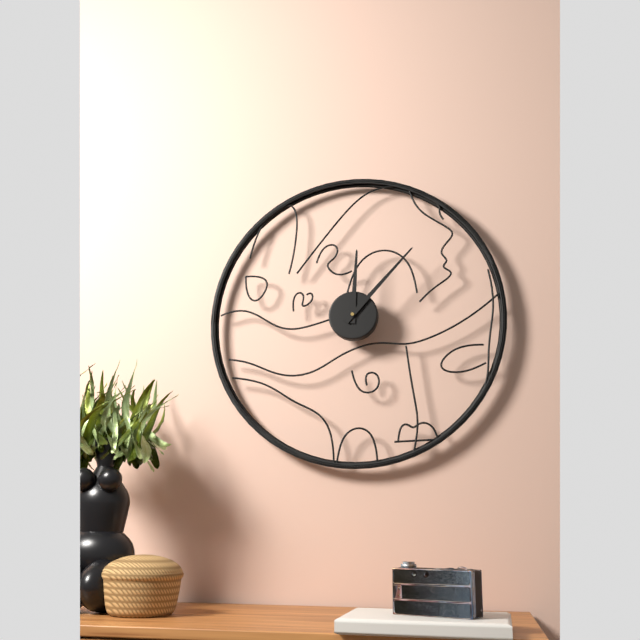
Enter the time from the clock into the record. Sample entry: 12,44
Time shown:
12,07
